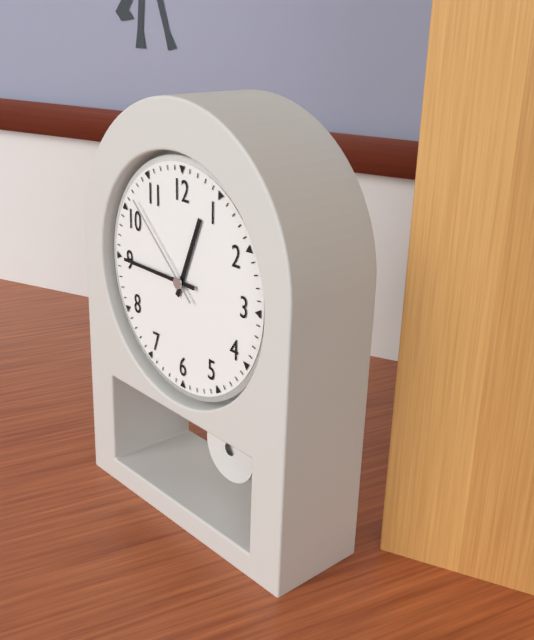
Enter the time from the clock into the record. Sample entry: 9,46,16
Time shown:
12,45,52
